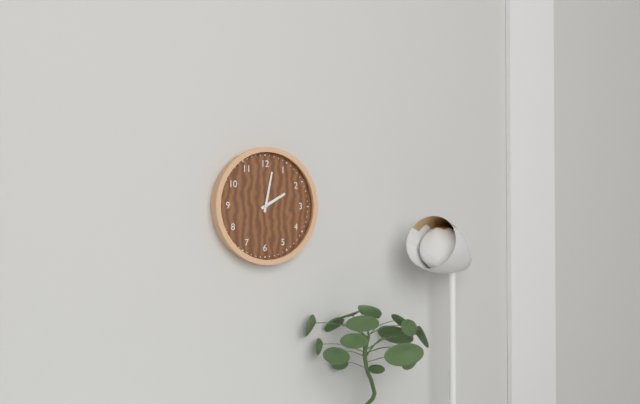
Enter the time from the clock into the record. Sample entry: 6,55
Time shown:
2,02
